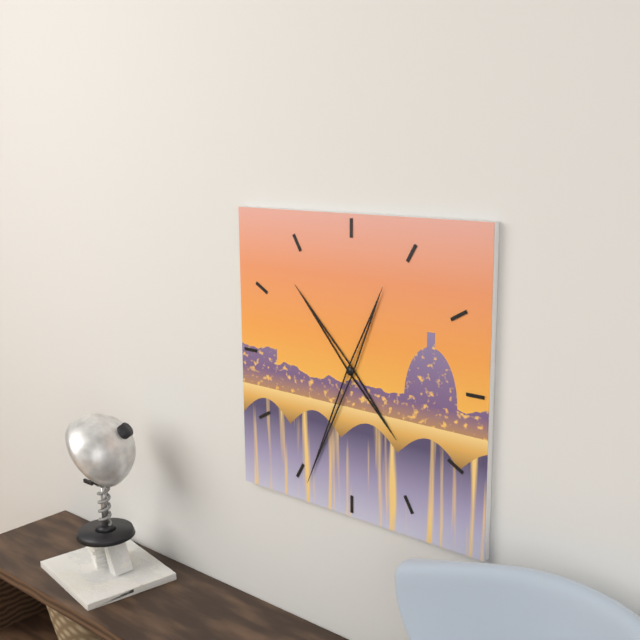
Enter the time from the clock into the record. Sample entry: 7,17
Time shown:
10,34
